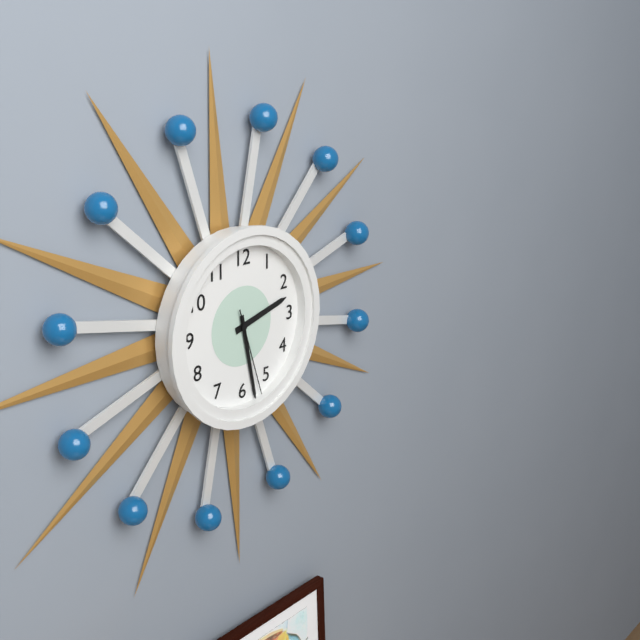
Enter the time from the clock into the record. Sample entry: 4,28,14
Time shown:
2,28,27
